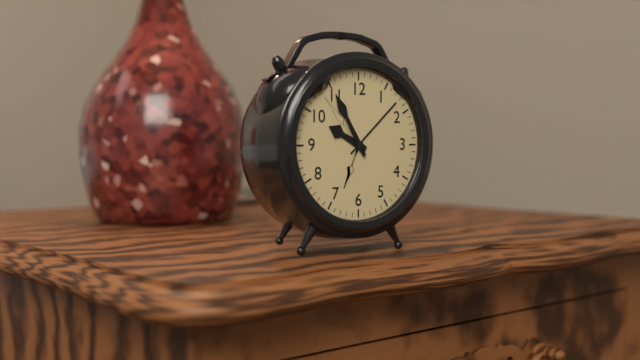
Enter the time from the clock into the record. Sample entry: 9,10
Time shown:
9,55
